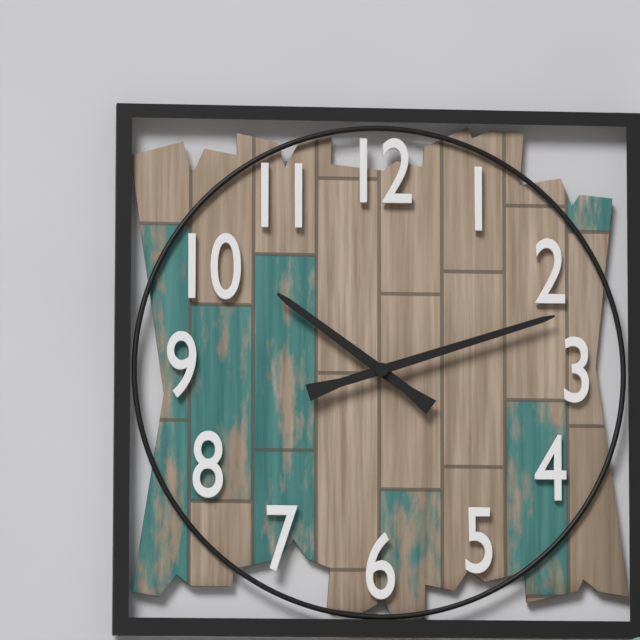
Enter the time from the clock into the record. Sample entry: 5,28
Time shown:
10,12
